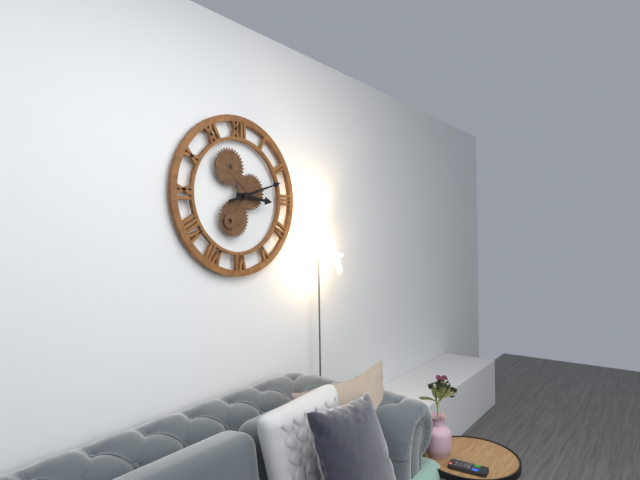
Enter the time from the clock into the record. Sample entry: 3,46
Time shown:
3,12
